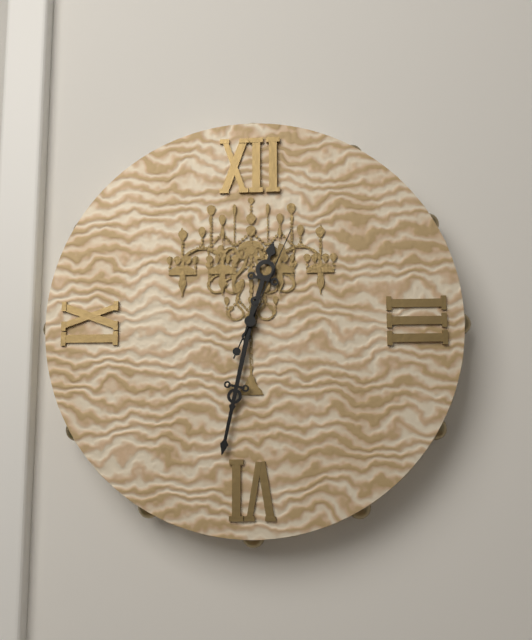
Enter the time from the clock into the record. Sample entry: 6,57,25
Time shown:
12,32,04
